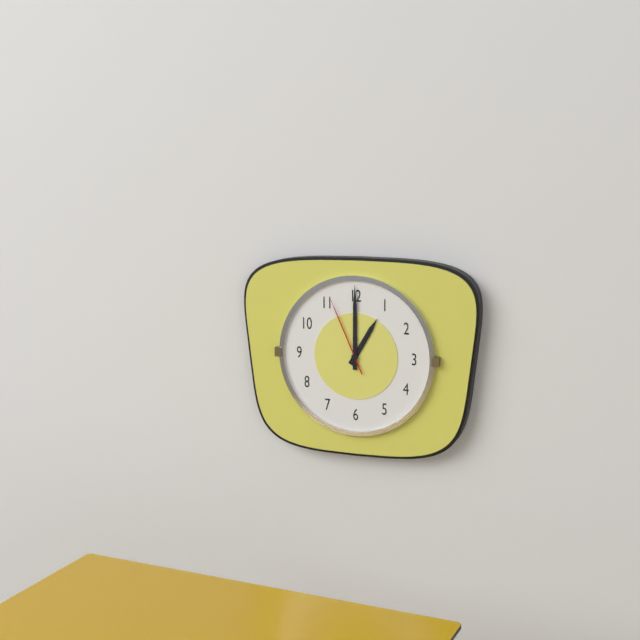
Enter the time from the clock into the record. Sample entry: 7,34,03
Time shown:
1,00,56
